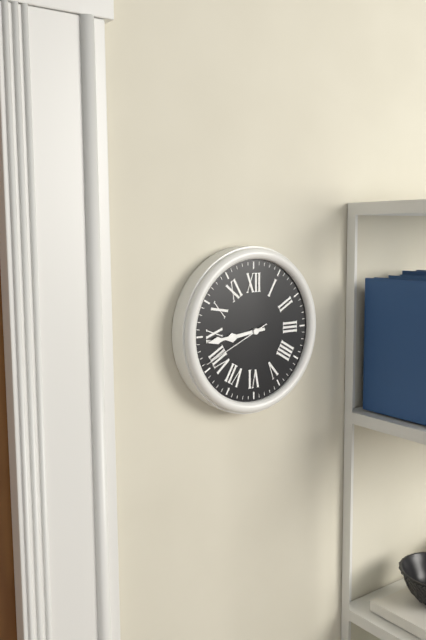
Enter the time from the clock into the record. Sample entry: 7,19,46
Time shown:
8,44,41
